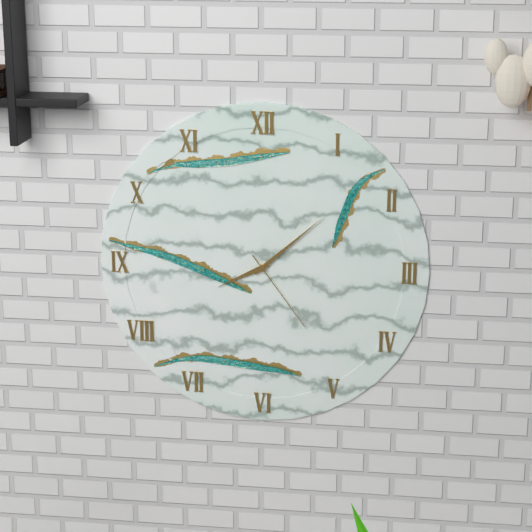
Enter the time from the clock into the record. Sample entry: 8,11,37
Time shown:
8,08,24
